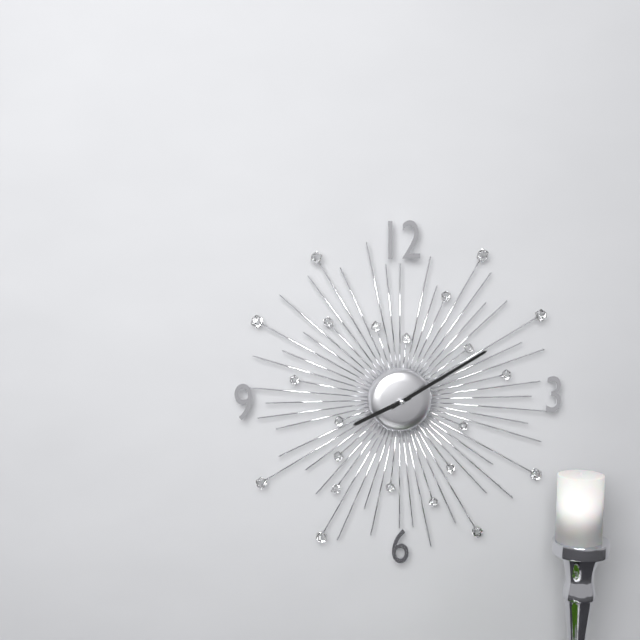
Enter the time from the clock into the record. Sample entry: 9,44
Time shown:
8,10
